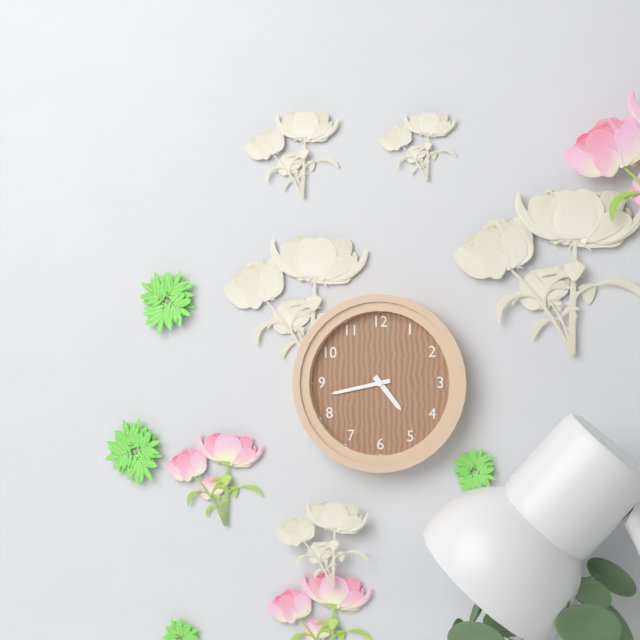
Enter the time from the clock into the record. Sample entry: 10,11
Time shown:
4,43
